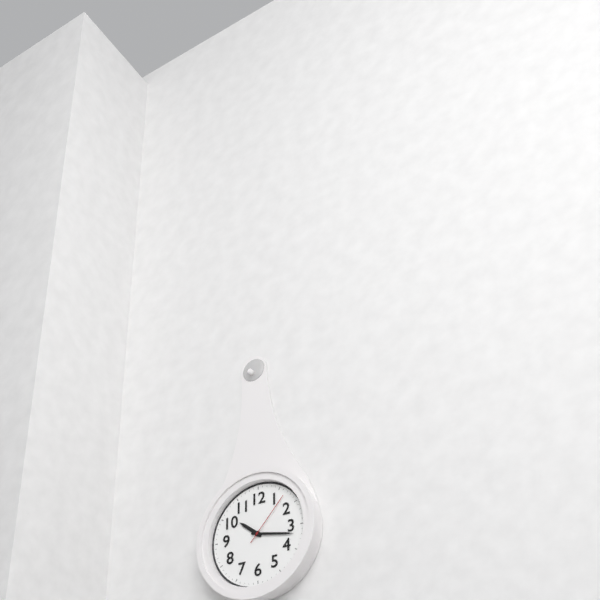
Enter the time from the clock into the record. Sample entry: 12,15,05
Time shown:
10,17,07
